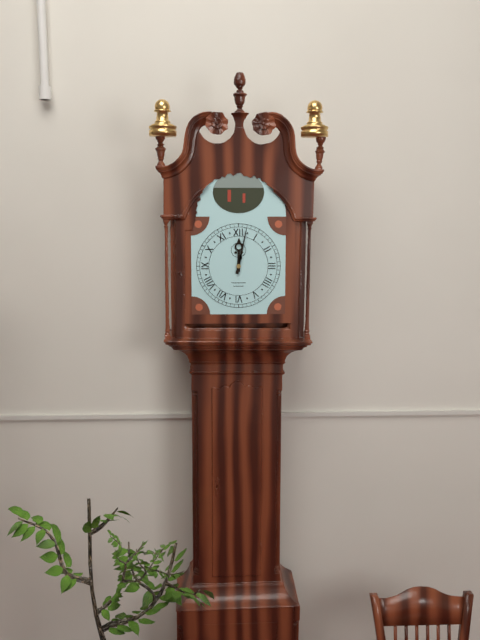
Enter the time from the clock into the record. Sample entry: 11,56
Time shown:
12,02
